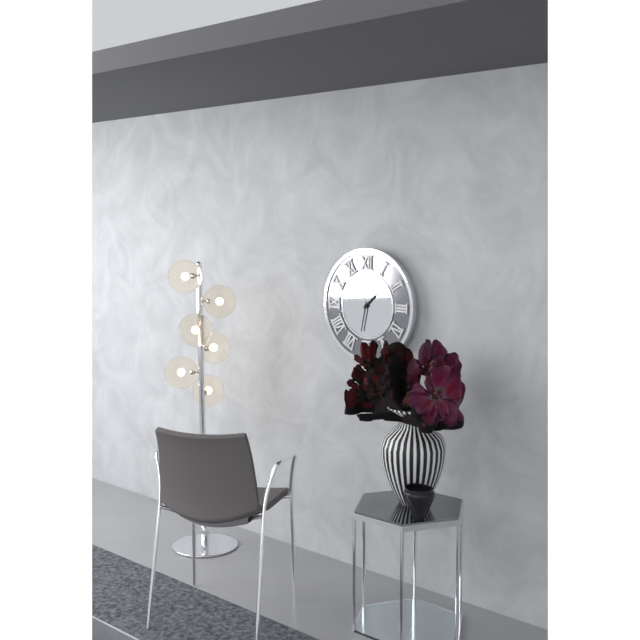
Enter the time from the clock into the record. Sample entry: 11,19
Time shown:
1,32
